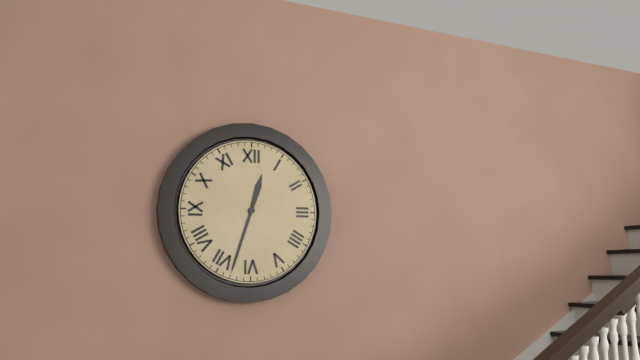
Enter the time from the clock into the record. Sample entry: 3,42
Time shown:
12,33
